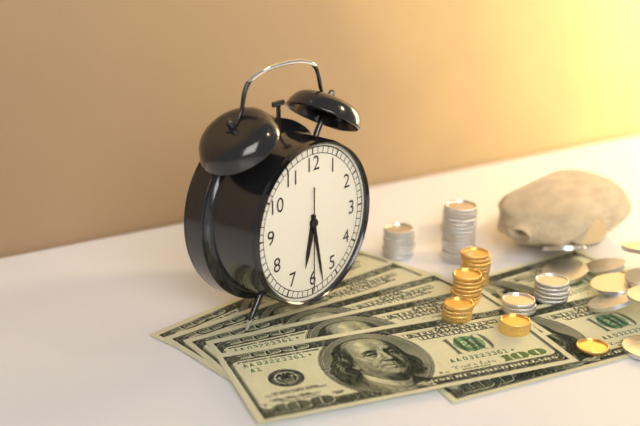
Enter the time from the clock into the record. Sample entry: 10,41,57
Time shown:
6,28,30
